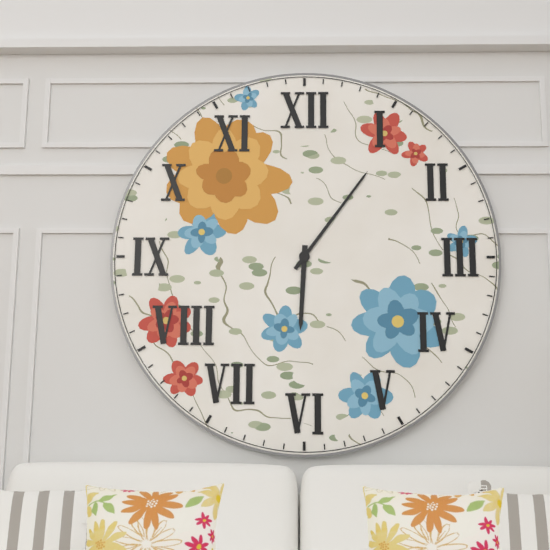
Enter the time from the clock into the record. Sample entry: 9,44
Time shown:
6,06
